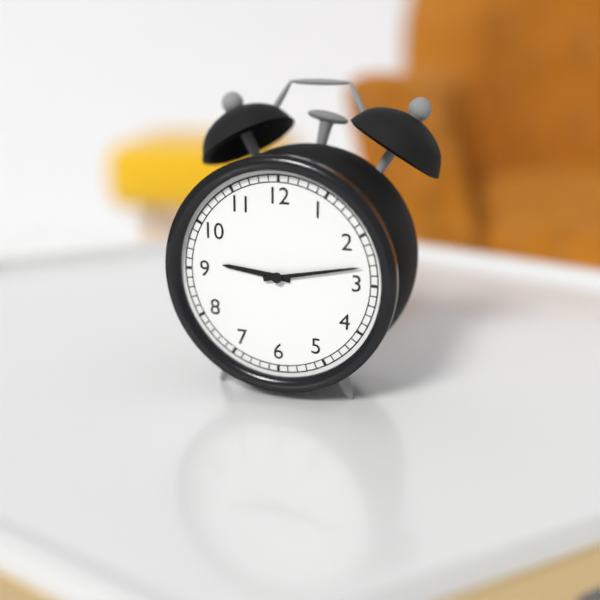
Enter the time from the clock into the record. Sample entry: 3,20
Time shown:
9,13
